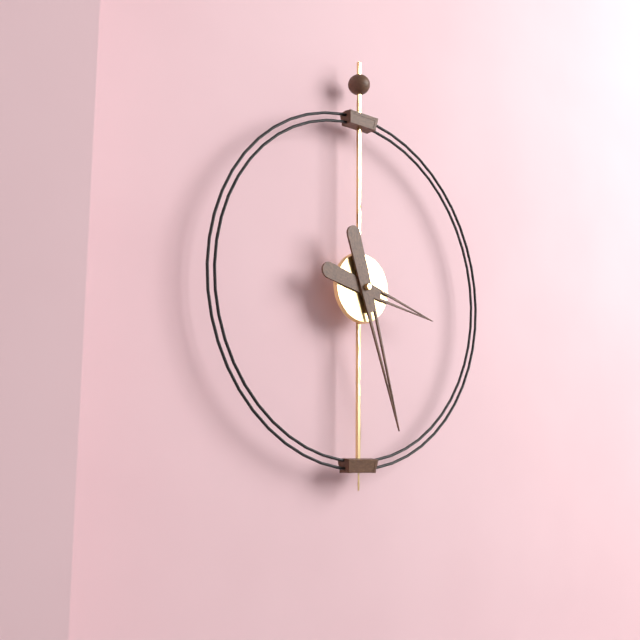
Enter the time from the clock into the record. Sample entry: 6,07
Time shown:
3,27
